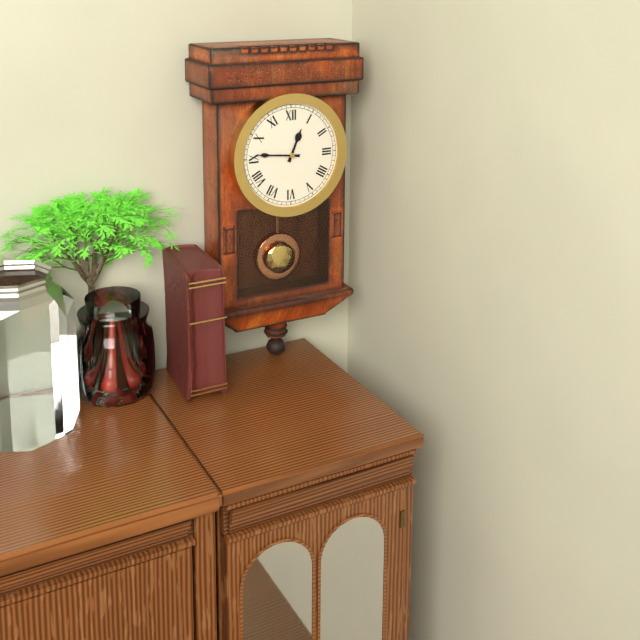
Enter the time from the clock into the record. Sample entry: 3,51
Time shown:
12,46
